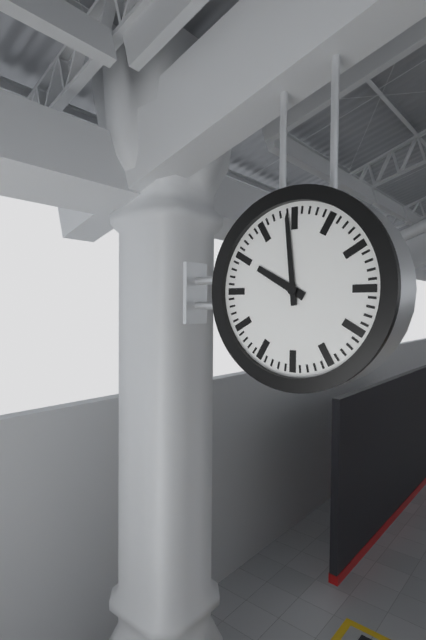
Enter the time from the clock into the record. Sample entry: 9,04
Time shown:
9,59
